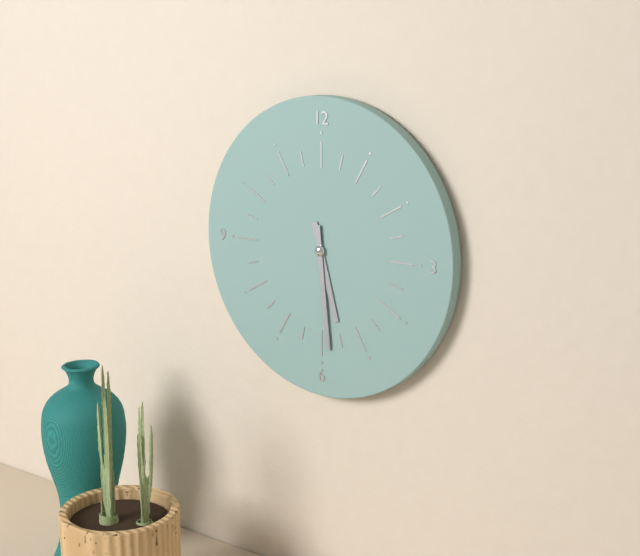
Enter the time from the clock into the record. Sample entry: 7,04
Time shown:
5,29
